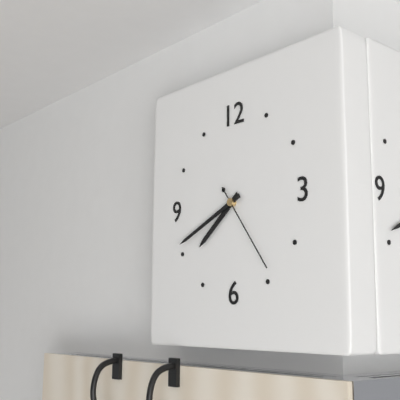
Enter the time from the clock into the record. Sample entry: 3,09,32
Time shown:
7,41,24
